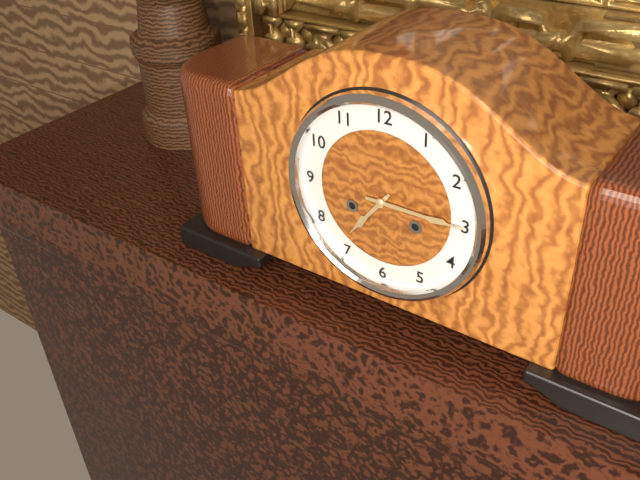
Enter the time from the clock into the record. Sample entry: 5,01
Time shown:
7,15
